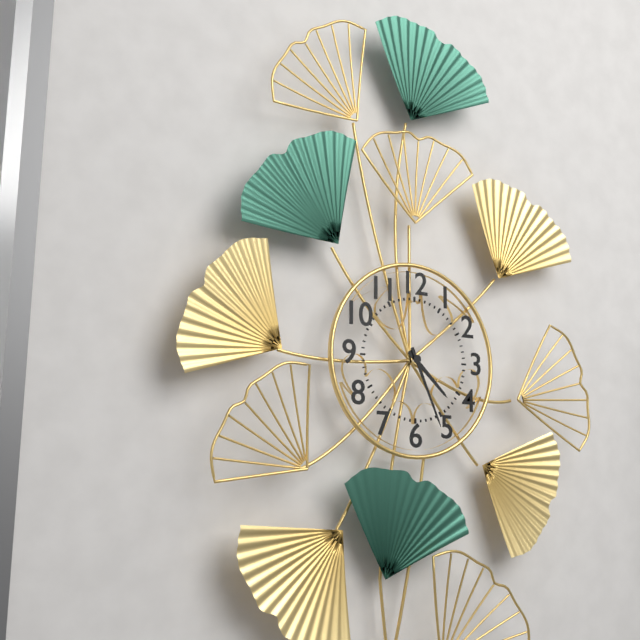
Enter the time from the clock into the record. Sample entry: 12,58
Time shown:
4,26
